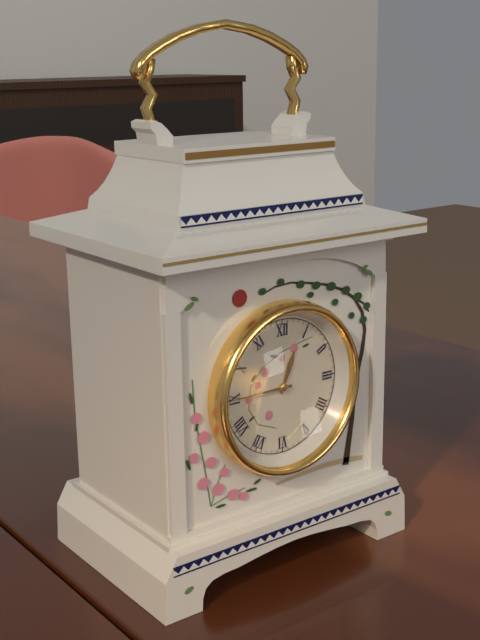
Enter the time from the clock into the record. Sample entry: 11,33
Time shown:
12,45
